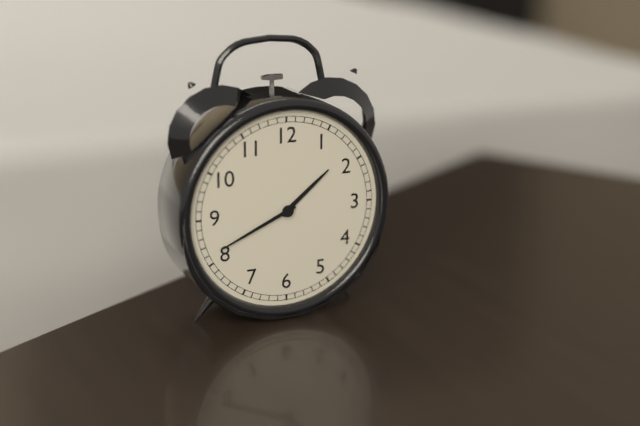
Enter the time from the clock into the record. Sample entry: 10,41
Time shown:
1,41
